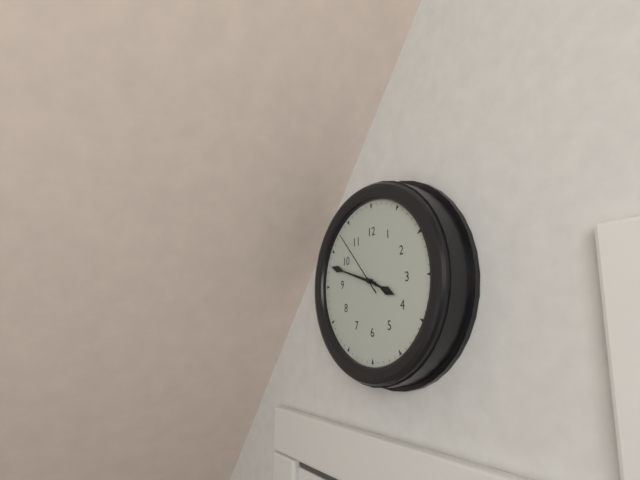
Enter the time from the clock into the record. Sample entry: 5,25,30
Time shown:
3,48,53
